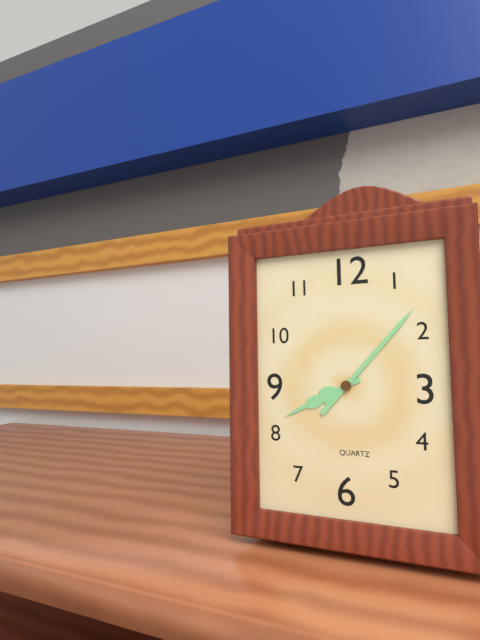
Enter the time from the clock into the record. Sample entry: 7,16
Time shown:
8,07
